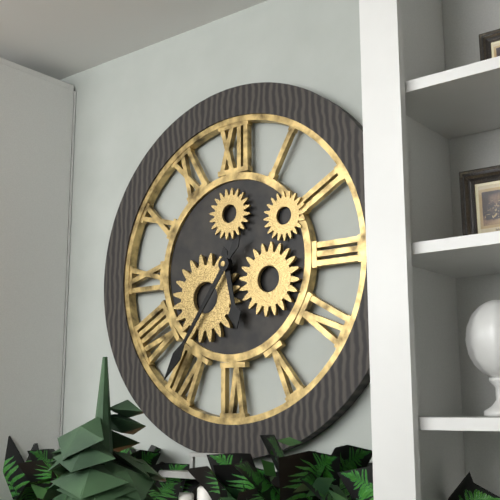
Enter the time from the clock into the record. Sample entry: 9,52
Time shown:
5,36
